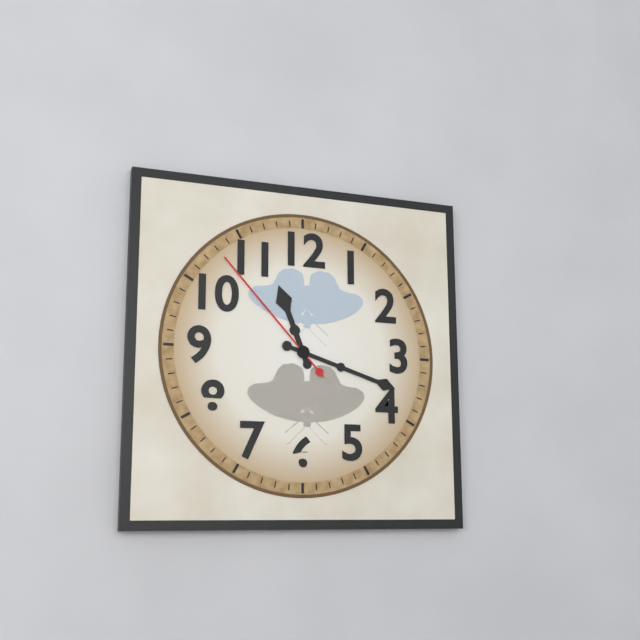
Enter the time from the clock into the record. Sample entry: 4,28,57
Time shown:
11,18,53
